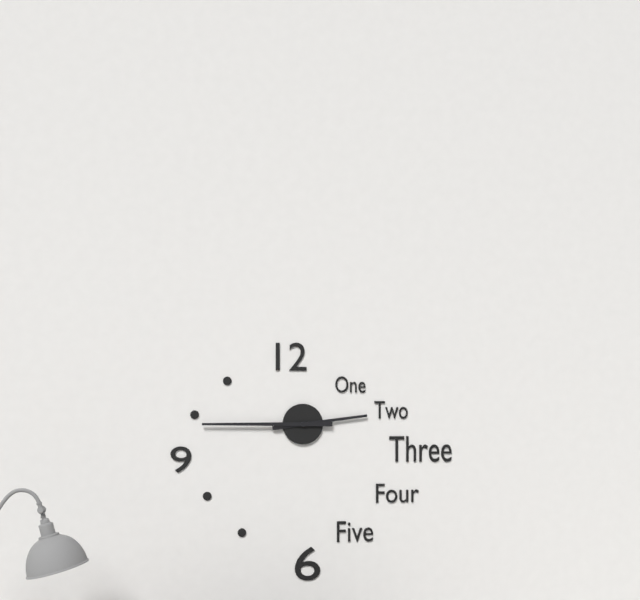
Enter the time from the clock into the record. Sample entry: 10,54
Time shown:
2,45
